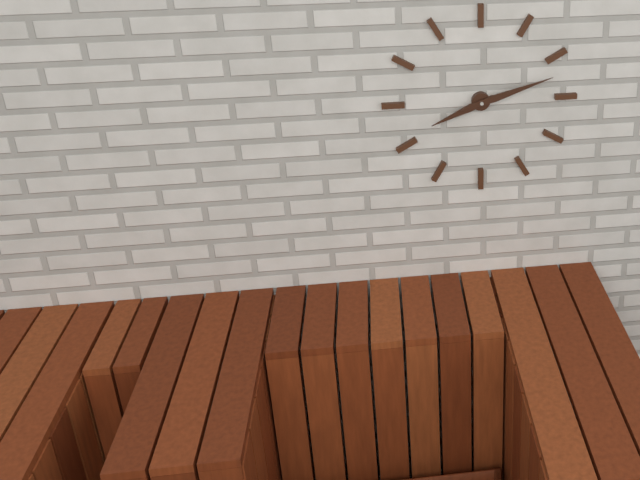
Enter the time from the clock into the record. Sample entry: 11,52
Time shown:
8,12
